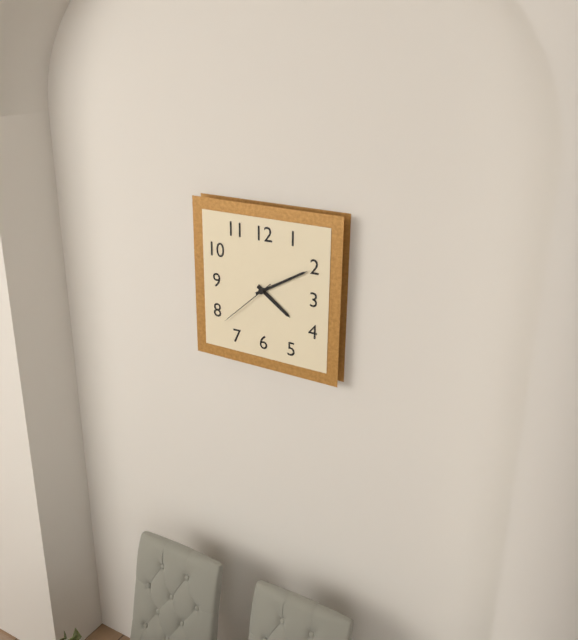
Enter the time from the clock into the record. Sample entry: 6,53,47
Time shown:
4,10,38
